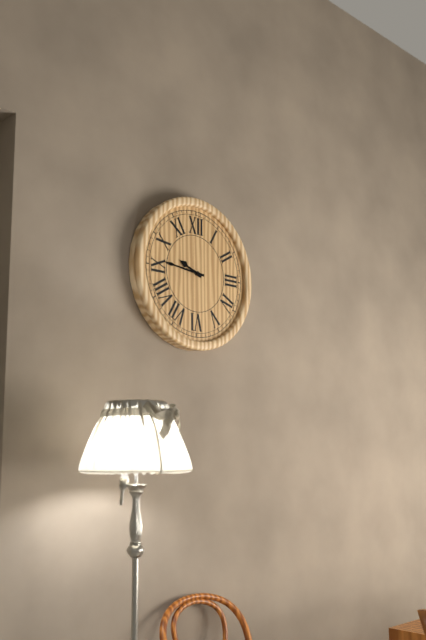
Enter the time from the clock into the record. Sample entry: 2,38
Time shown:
9,46
